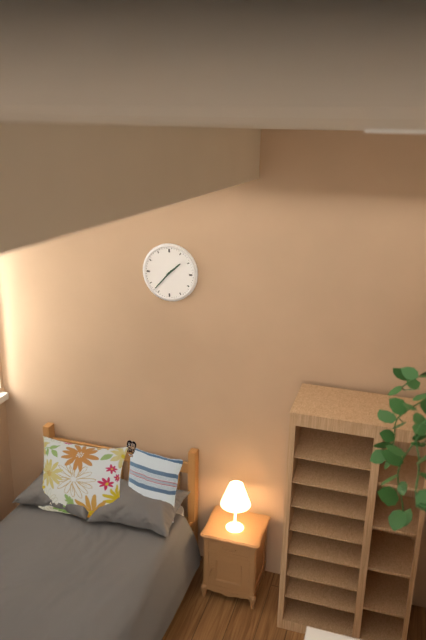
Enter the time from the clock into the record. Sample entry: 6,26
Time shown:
1,37
